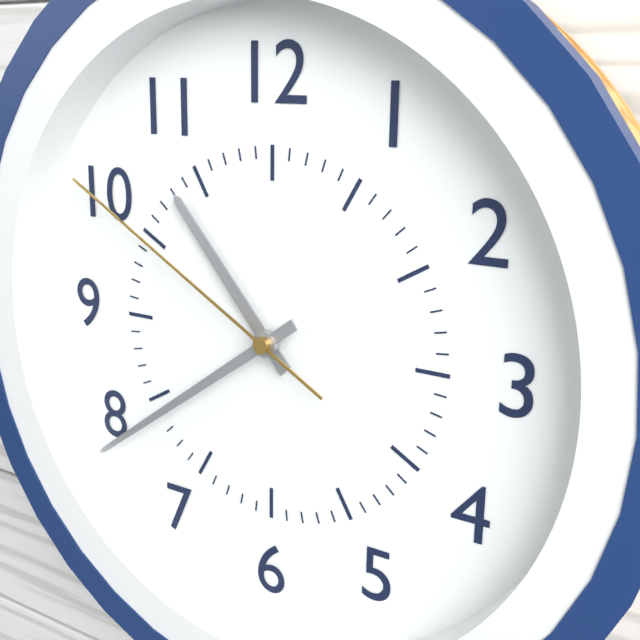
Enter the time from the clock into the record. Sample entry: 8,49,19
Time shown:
10,39,50
